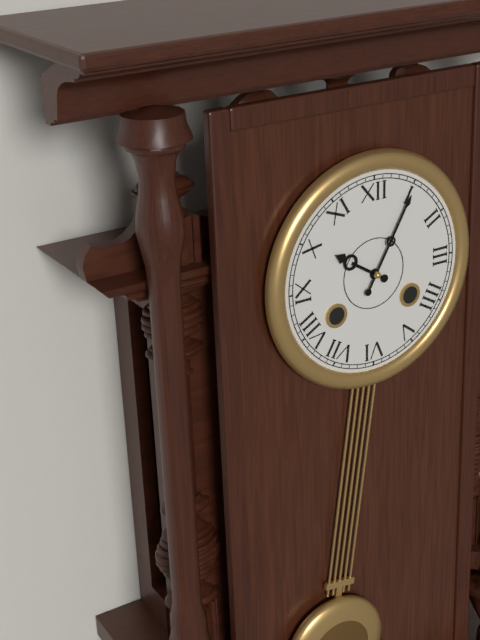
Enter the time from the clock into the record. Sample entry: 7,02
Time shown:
10,05
